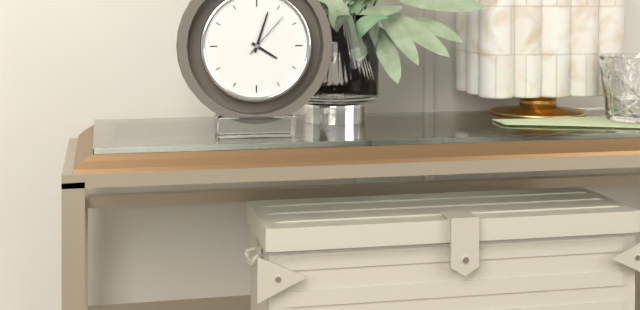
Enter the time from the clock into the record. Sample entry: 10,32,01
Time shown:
4,03,07
